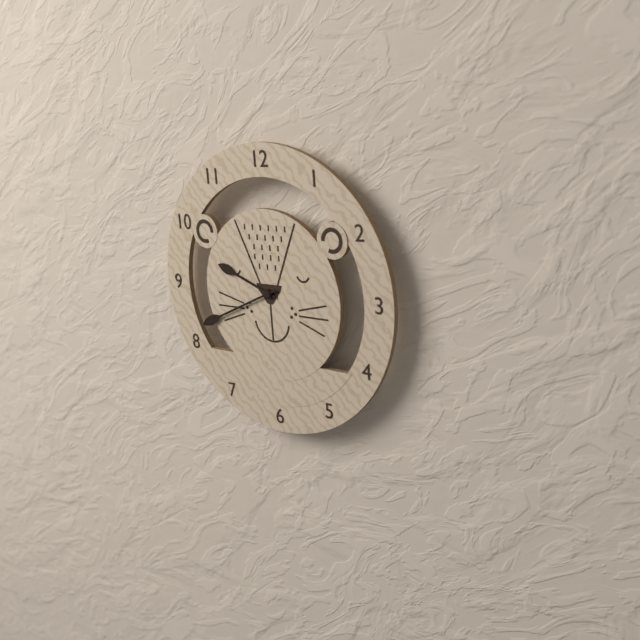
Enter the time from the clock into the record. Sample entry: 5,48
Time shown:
9,41
